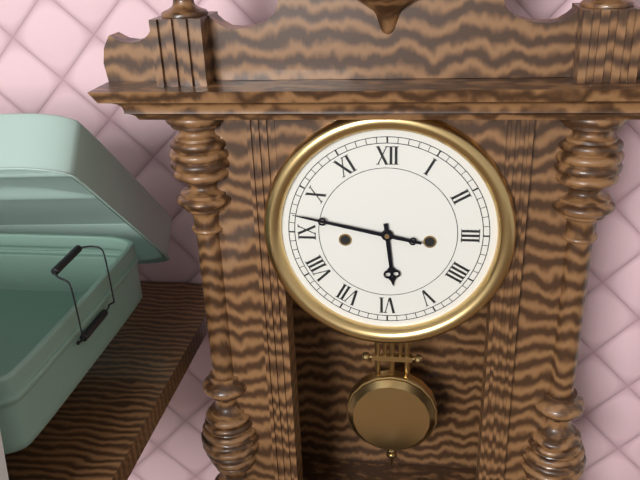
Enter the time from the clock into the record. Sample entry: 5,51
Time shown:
5,47
